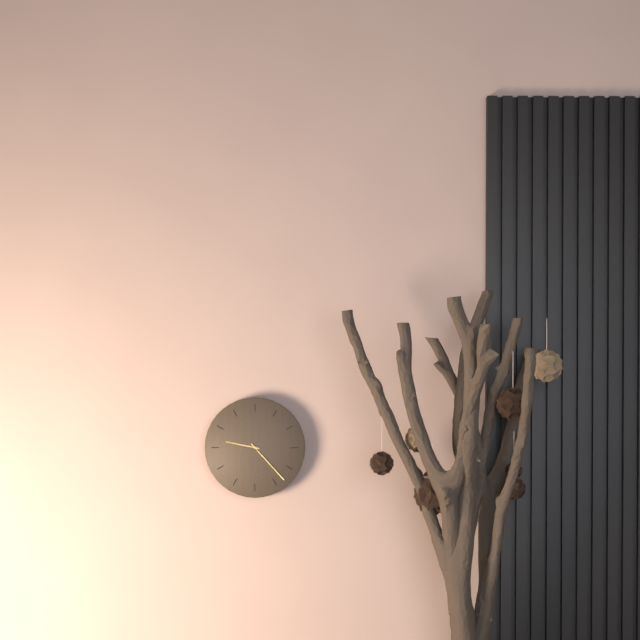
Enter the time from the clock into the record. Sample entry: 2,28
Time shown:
9,23
